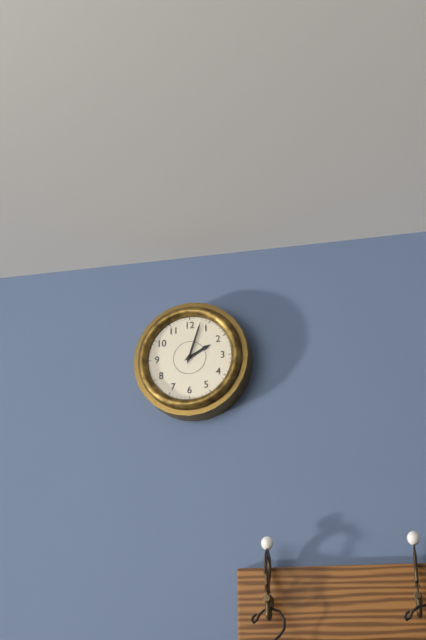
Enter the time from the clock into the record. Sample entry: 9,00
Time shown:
2,03
